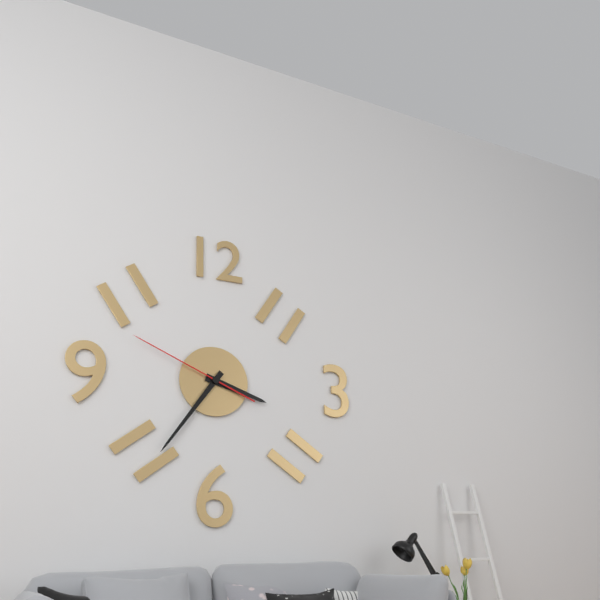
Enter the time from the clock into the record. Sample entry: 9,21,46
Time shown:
3,36,49
